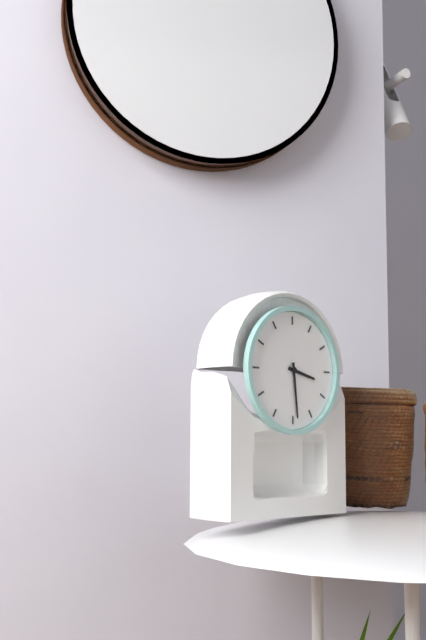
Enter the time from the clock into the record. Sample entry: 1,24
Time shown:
3,29
